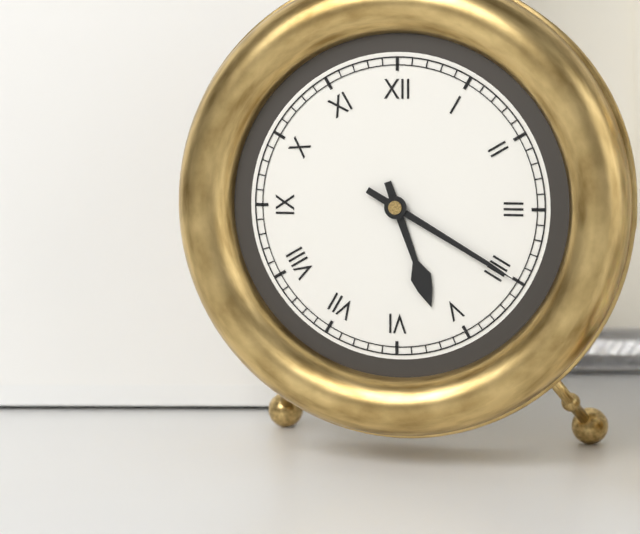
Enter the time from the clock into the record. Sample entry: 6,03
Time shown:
5,20
